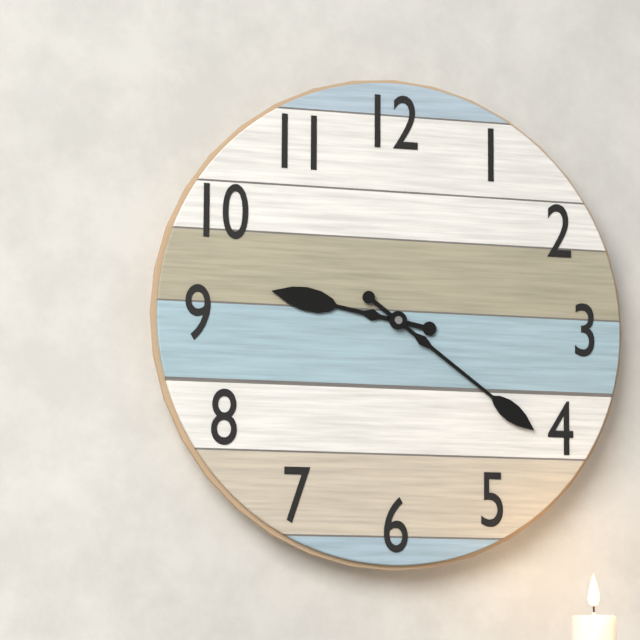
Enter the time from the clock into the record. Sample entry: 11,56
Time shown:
9,21
